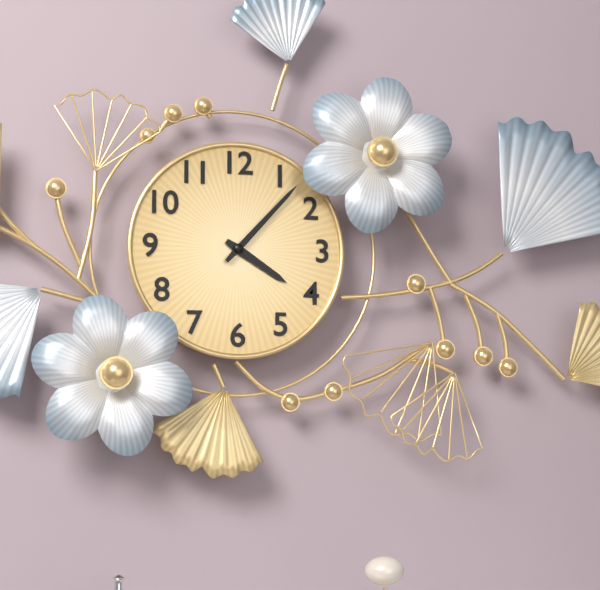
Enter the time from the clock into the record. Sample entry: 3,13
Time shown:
4,07
